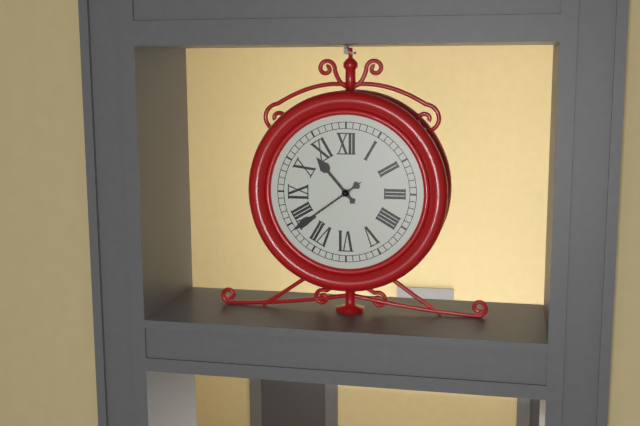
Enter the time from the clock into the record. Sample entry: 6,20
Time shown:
10,39
